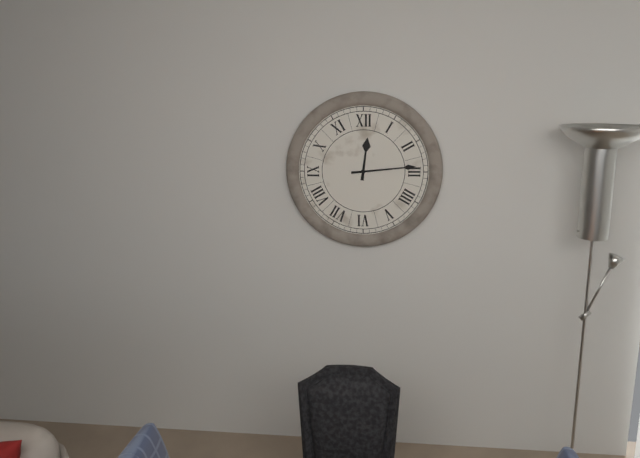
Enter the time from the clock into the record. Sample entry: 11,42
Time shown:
12,14
